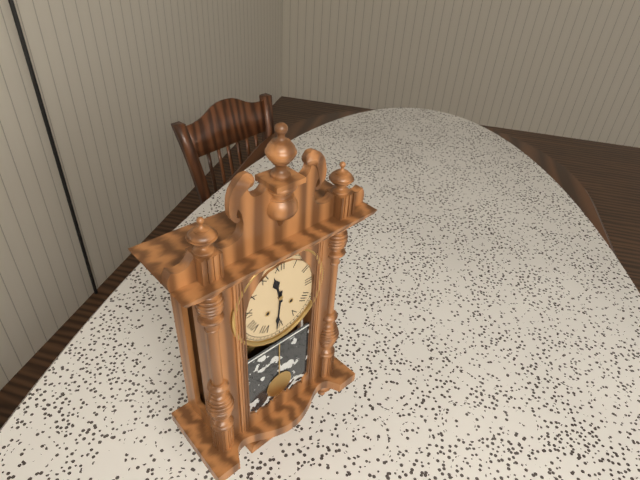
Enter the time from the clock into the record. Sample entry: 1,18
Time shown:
11,31
